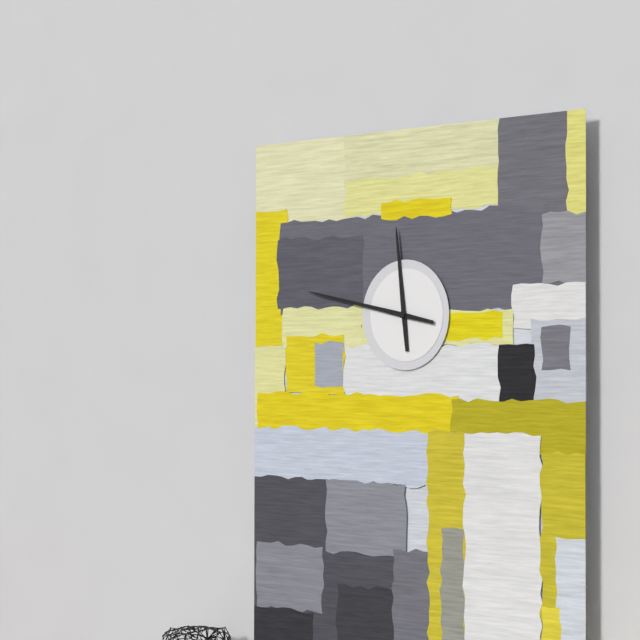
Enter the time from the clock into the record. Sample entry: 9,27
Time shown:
11,47
